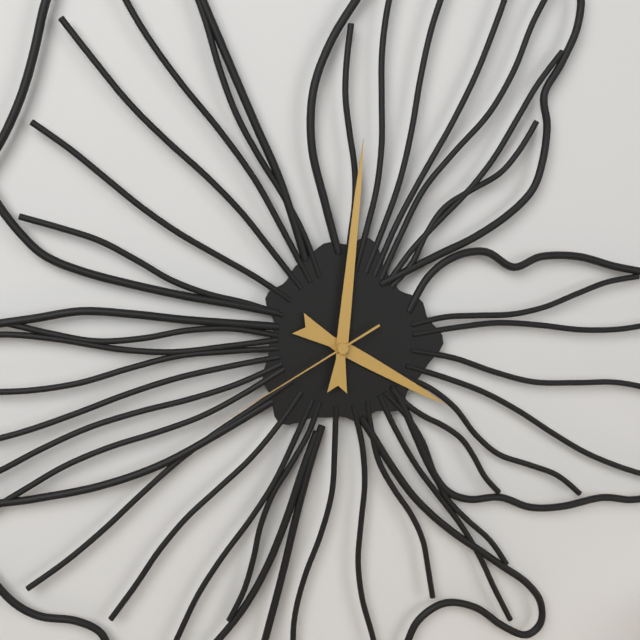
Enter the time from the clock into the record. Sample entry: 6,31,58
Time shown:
4,01,40
